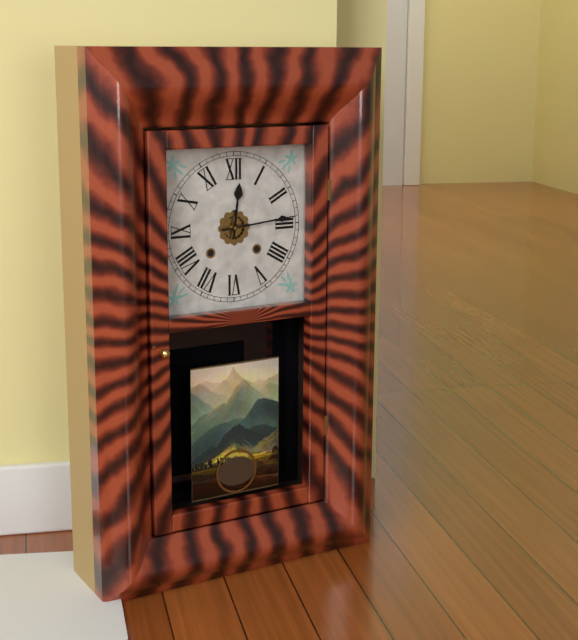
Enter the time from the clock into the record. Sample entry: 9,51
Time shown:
12,14
